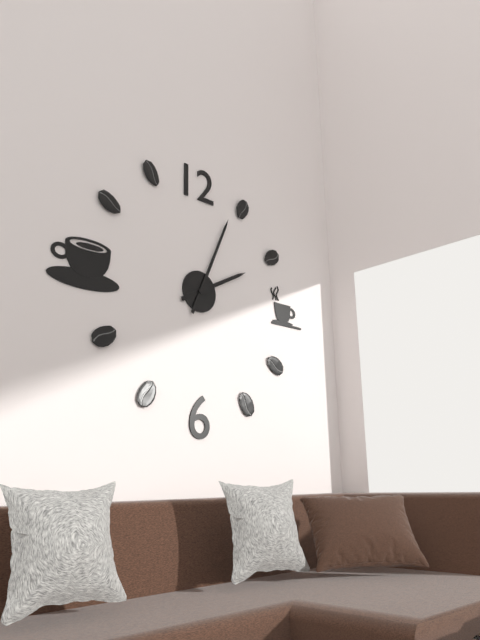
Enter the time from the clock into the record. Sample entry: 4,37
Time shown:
2,04
